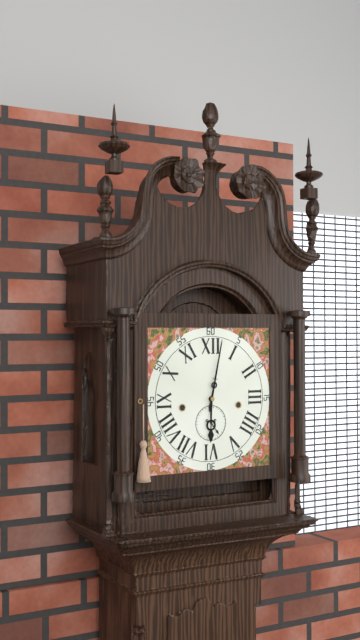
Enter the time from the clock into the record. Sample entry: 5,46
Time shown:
6,02
